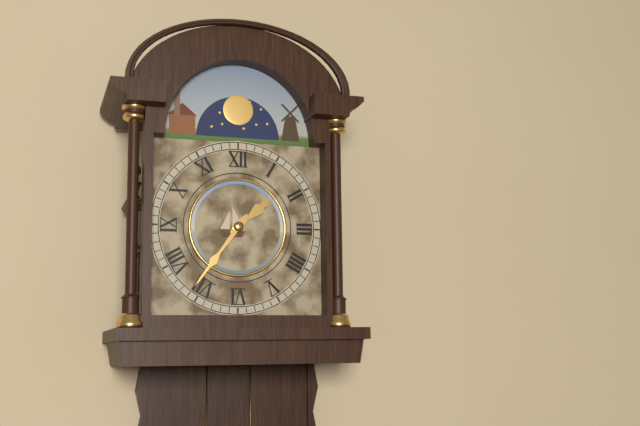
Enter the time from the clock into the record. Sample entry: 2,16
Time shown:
1,36
